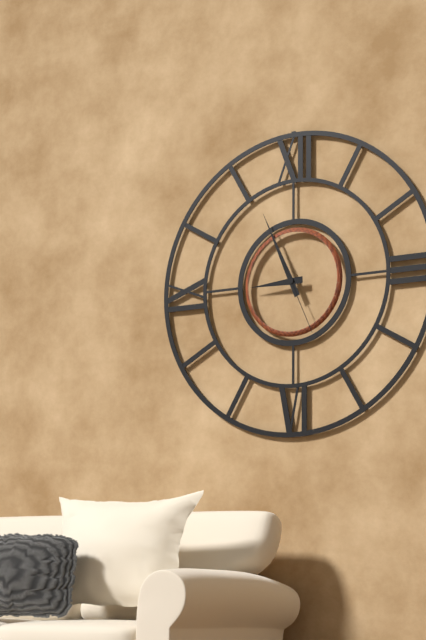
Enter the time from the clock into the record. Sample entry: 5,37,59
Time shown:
8,56,26
